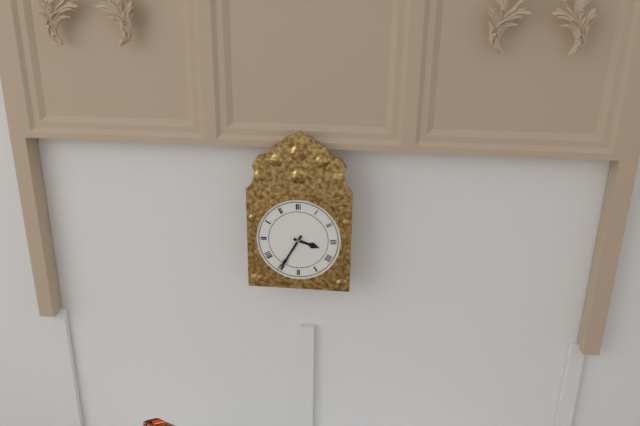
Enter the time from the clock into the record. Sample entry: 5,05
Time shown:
3,35
